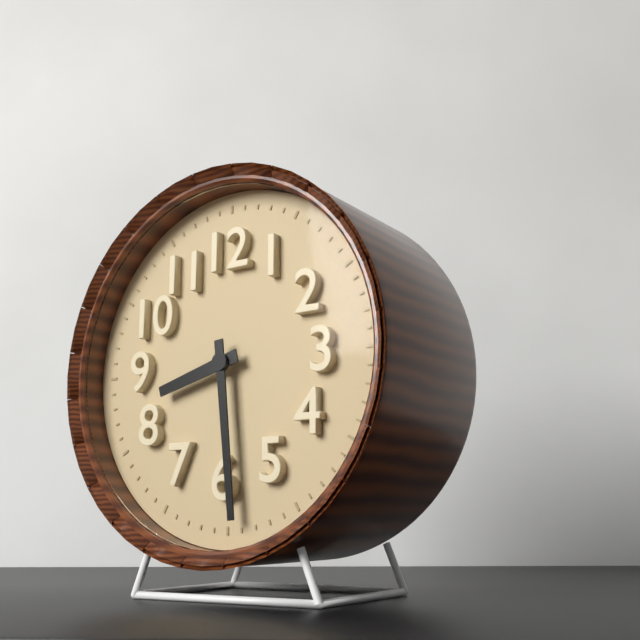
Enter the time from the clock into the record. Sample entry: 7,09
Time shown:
8,29
